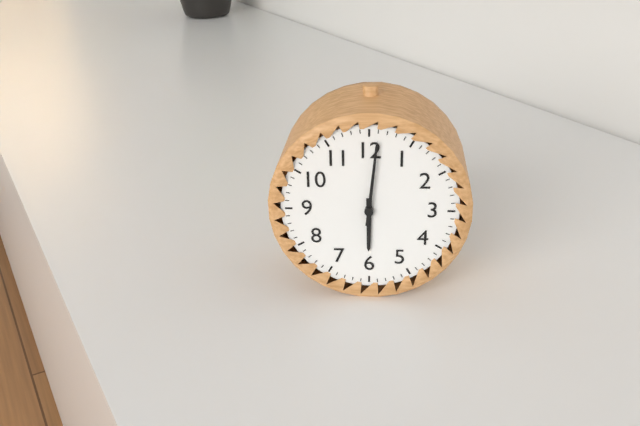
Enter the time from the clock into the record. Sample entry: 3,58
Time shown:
6,01
